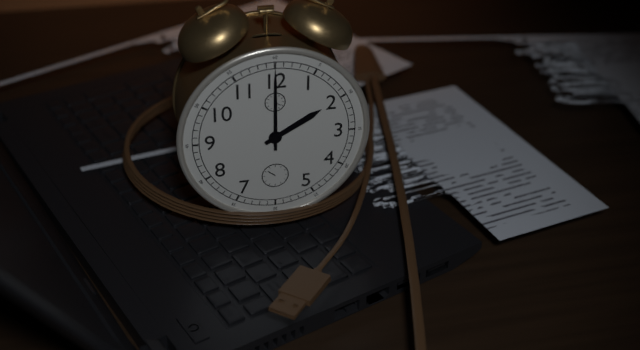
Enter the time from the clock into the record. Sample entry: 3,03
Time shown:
2,00
